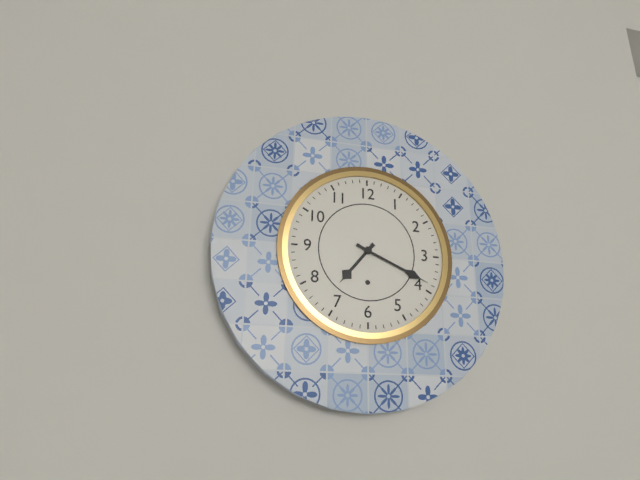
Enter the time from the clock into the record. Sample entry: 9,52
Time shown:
7,19
